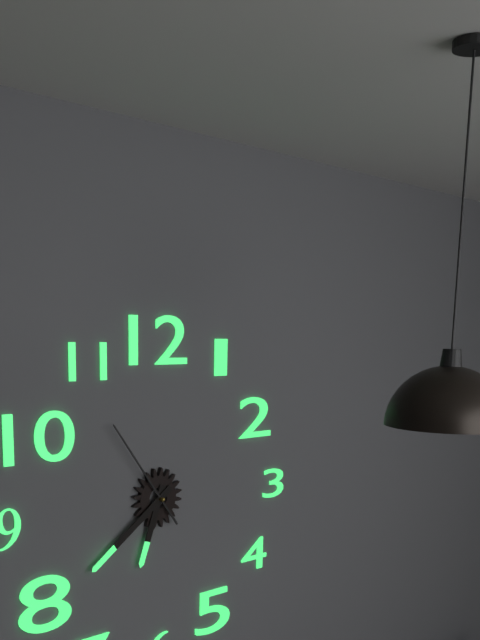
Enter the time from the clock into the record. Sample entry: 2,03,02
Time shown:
6,39,54
